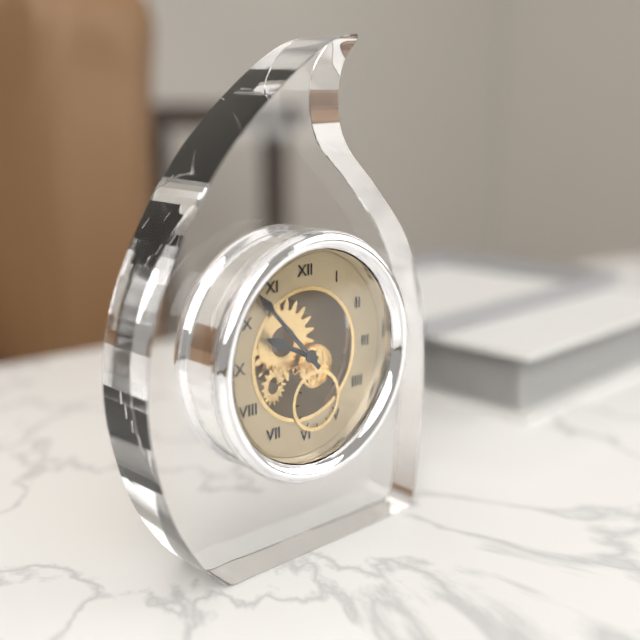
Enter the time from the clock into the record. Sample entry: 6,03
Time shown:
9,53
